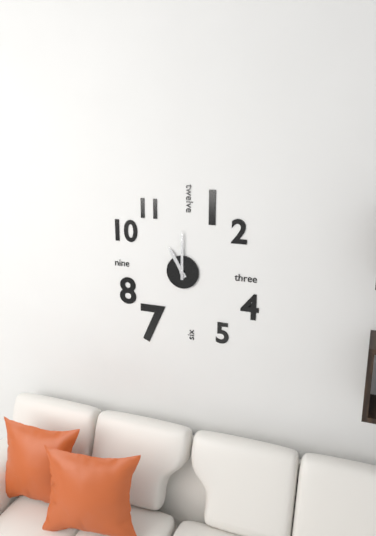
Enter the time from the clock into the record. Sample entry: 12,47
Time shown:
11,00
